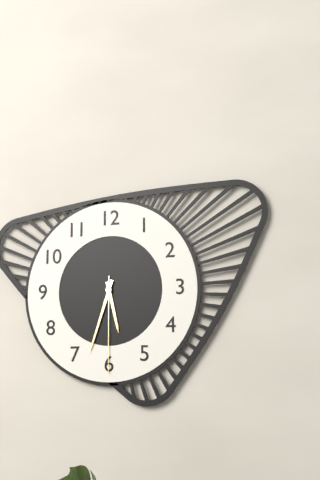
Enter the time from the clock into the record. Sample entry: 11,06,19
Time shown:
5,33,30
